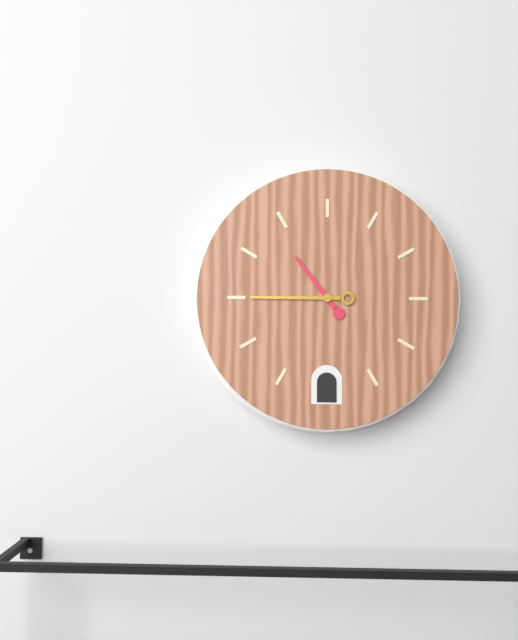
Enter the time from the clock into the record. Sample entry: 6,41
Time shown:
10,45
